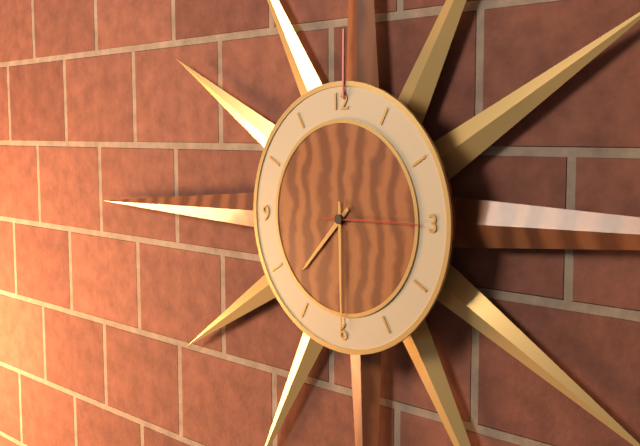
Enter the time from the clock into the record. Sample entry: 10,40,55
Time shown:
7,30,15
